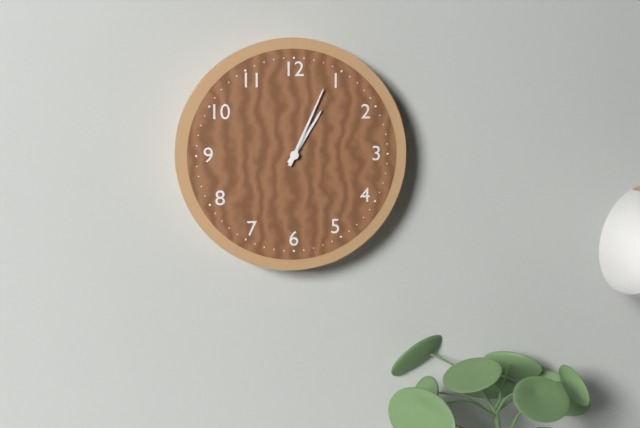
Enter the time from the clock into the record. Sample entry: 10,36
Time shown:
1,04
